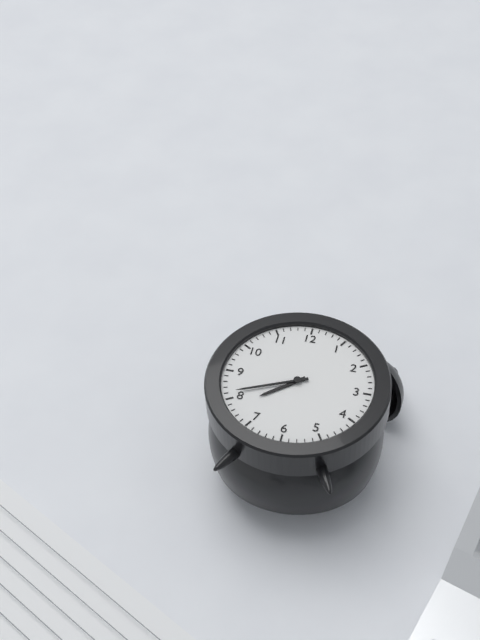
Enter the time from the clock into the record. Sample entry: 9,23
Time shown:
7,41
